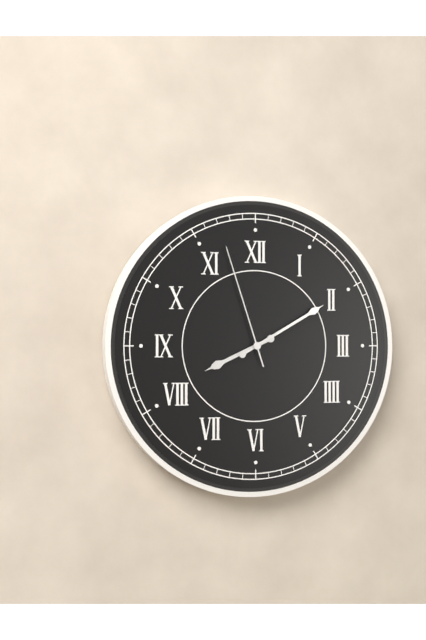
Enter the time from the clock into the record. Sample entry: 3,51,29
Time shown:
8,10,57
